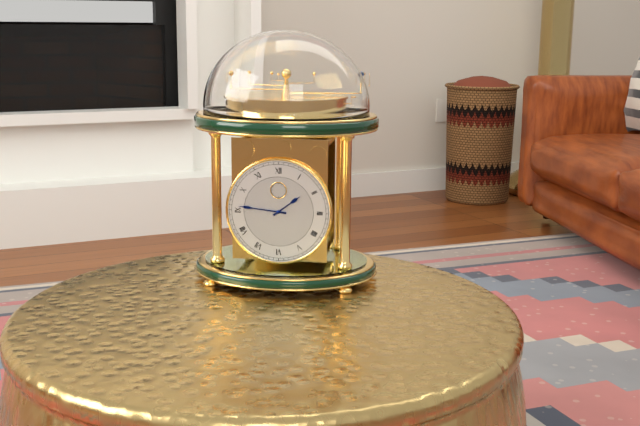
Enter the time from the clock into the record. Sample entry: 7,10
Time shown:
1,46
